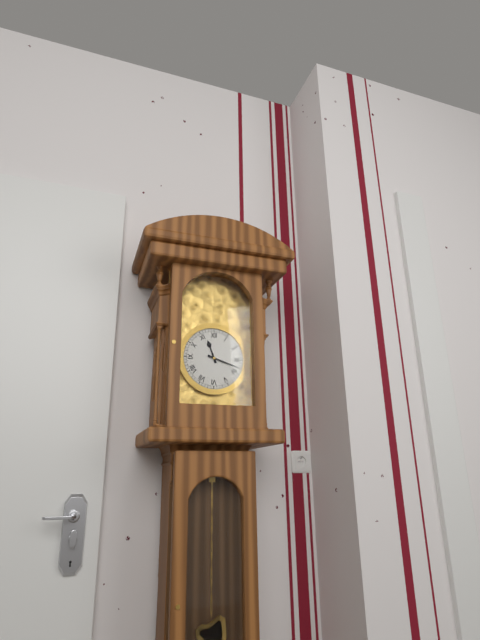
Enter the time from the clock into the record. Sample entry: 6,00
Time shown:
11,18
